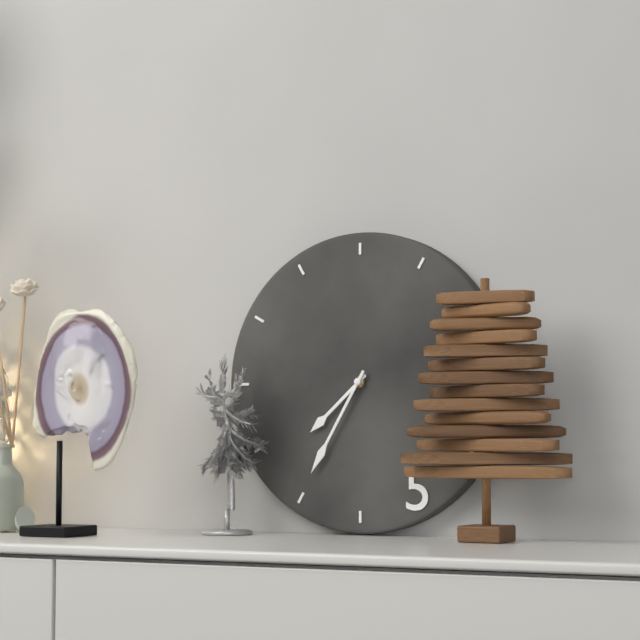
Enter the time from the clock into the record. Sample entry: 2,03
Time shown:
7,35
